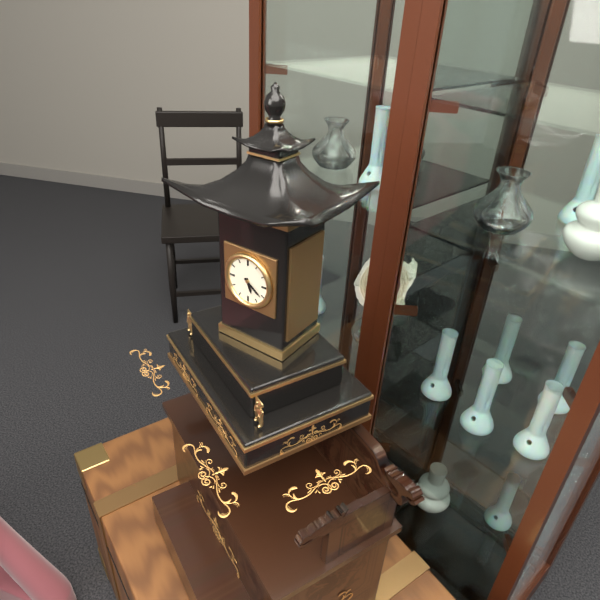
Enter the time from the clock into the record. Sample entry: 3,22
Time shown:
5,21
